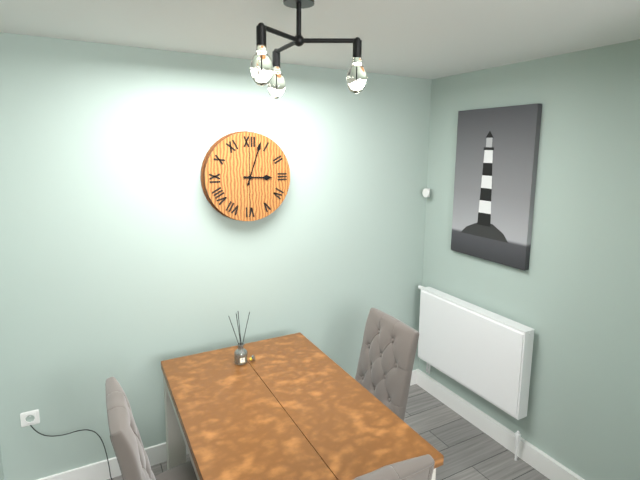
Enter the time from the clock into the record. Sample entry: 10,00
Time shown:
3,03
